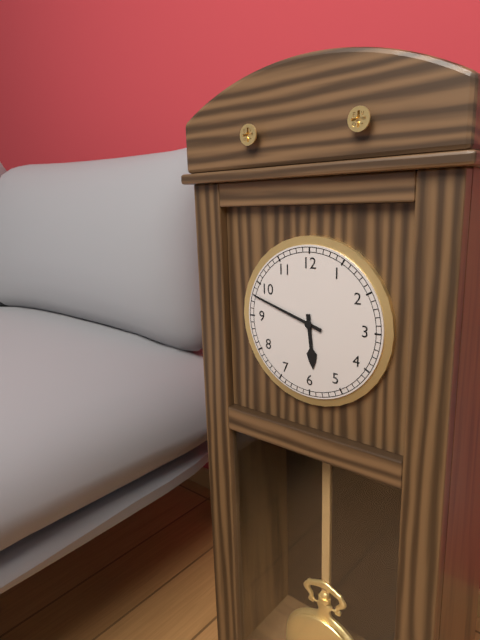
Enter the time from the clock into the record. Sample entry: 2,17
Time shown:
5,48
